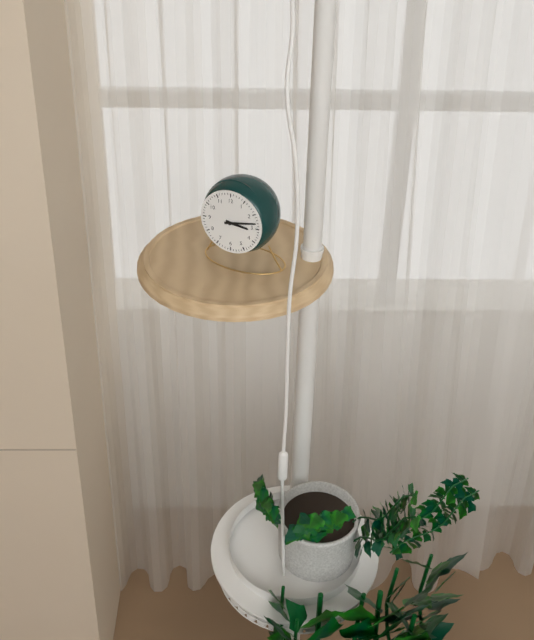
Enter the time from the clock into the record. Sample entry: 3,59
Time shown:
3,13
